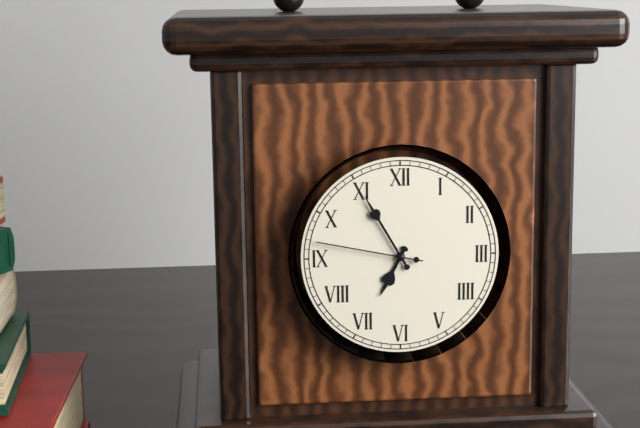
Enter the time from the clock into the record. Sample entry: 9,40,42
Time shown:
6,55,47
